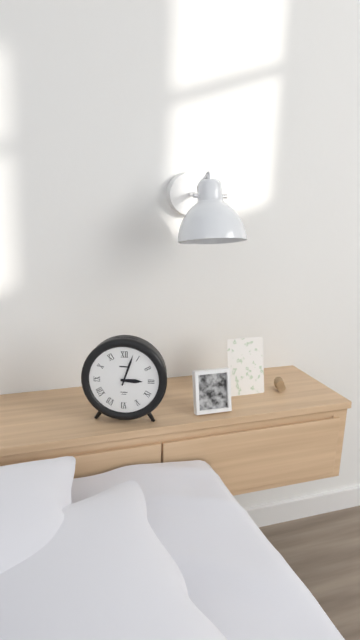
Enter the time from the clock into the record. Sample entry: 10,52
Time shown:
3,03
